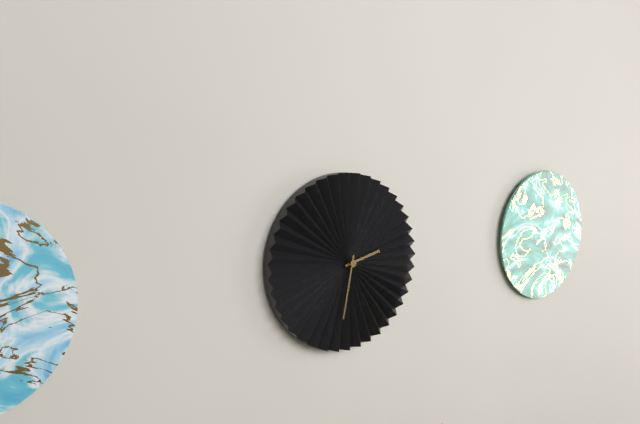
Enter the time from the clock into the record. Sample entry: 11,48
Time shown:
2,32
